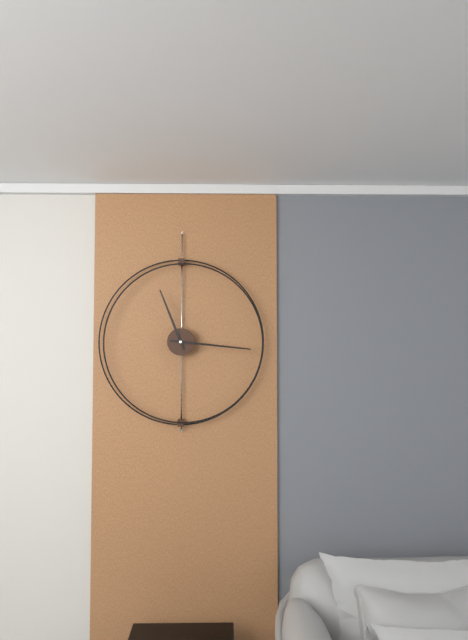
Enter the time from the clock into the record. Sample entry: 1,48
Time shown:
11,16
